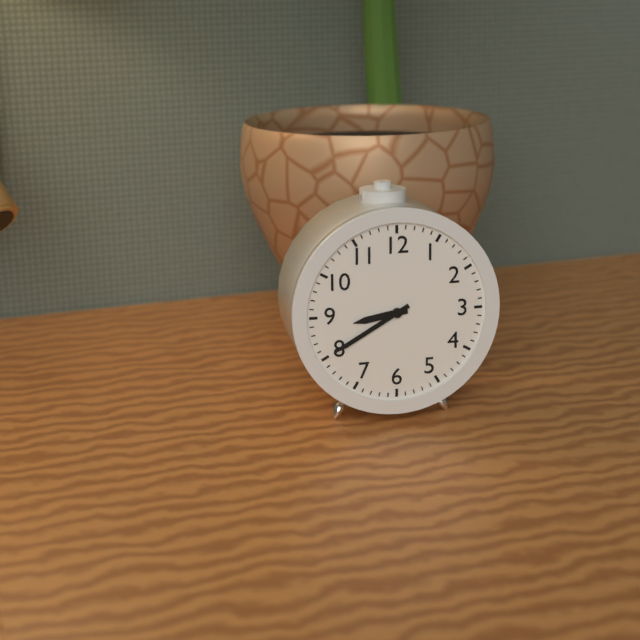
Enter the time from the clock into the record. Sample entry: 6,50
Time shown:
8,40
